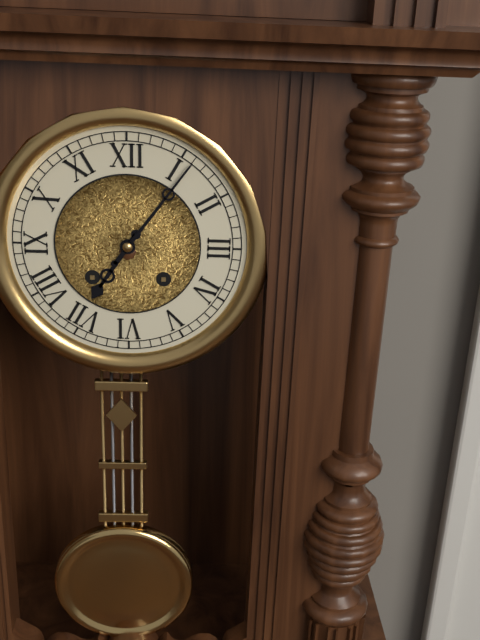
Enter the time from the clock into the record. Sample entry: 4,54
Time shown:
7,06
